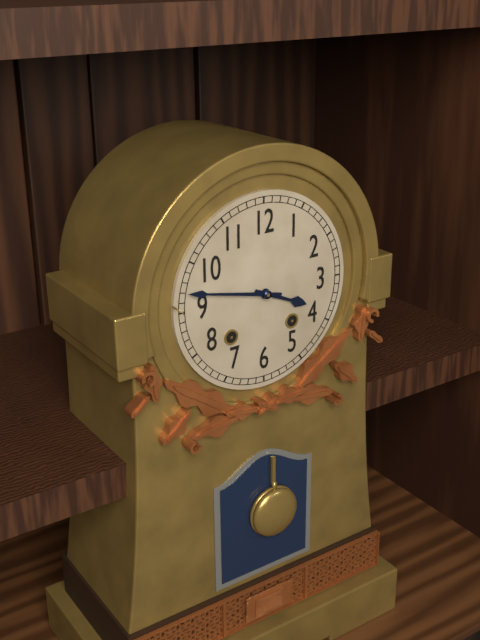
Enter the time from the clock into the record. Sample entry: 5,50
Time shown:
3,47
